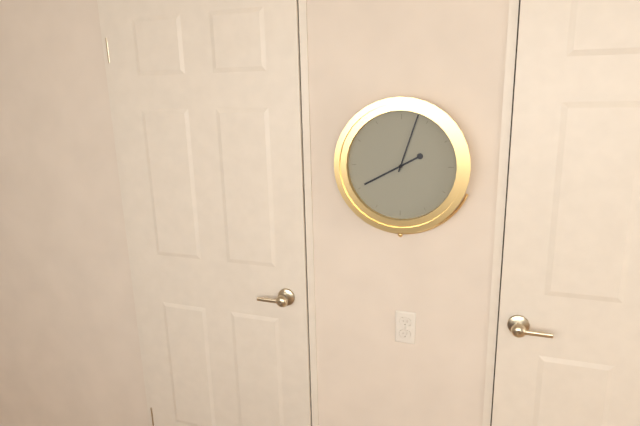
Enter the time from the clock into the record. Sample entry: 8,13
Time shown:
8,03
